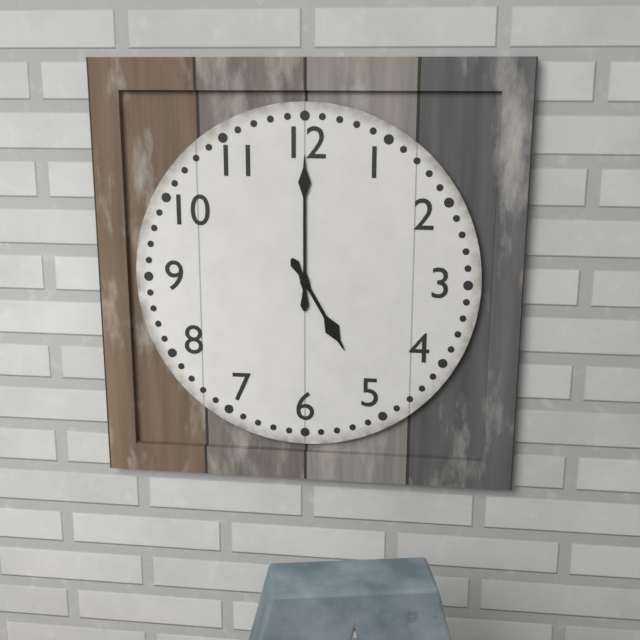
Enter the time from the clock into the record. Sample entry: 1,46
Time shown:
5,00
